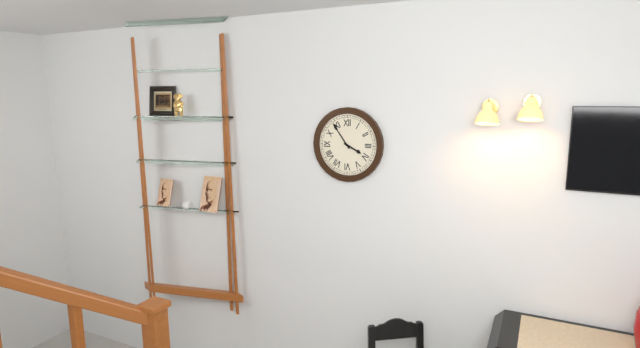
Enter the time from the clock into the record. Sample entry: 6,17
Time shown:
3,54
